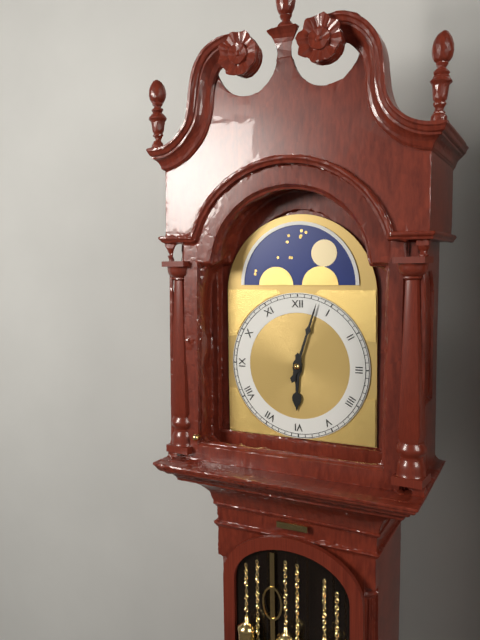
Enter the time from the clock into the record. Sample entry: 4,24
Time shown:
6,03
